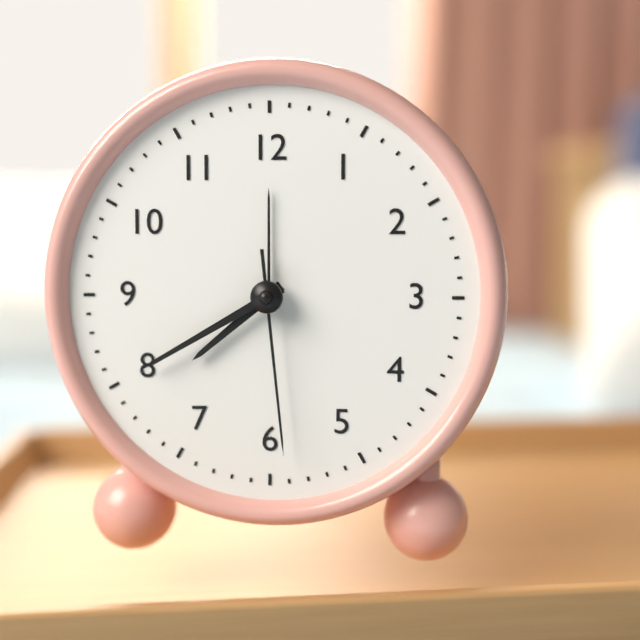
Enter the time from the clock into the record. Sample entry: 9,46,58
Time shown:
7,40,29
